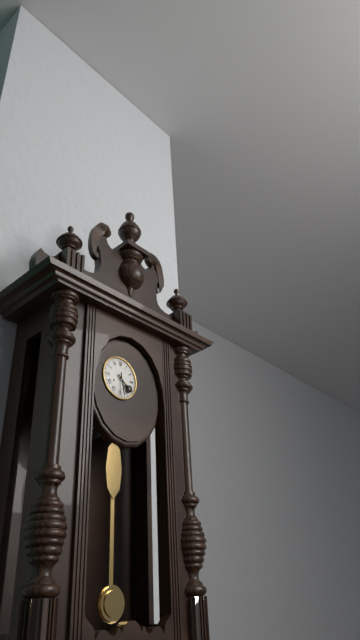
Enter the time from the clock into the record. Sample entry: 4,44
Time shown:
4,28
